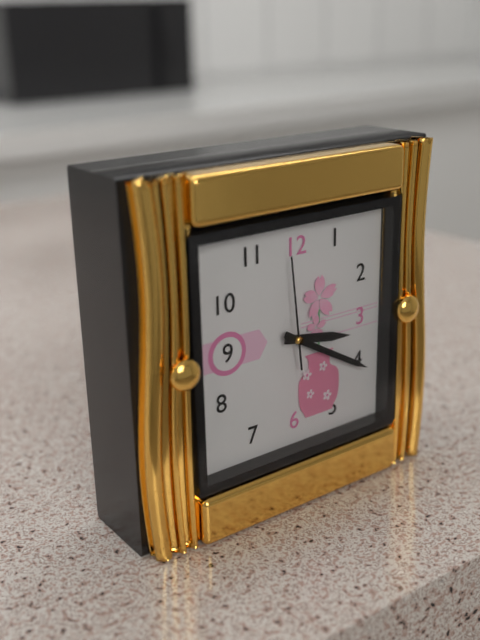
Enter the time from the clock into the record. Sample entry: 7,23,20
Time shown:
3,20,59
